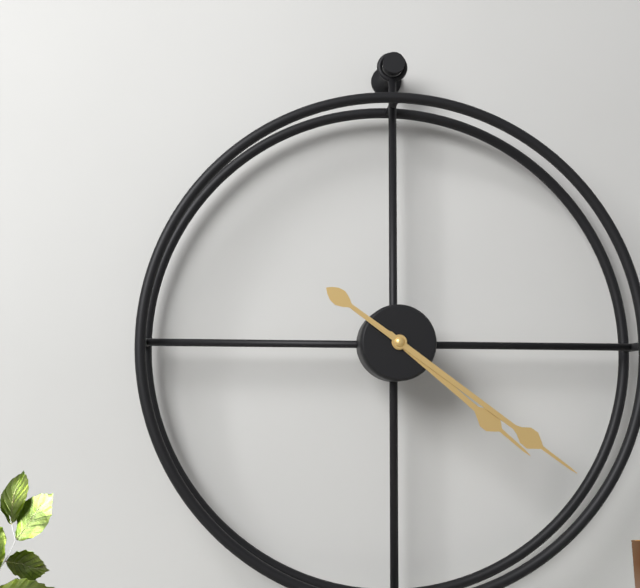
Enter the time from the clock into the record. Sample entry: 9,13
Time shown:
4,21
